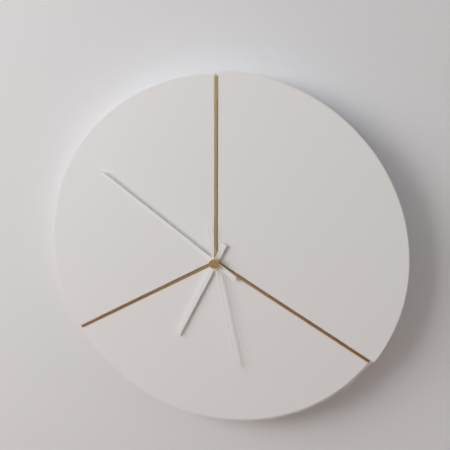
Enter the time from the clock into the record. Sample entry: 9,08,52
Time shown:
6,51,28
